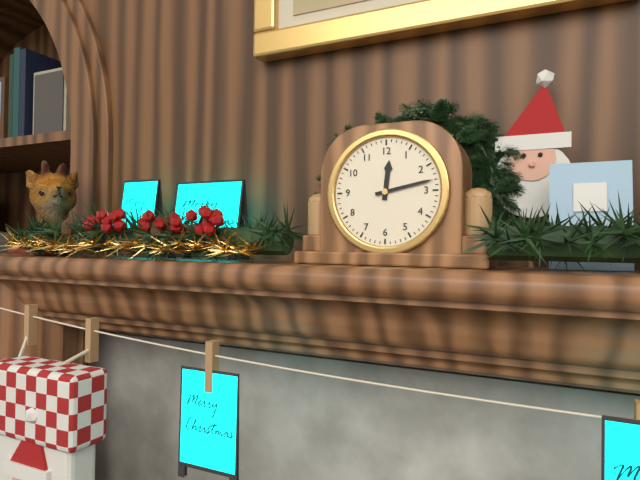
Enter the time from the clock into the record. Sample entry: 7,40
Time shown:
12,13
